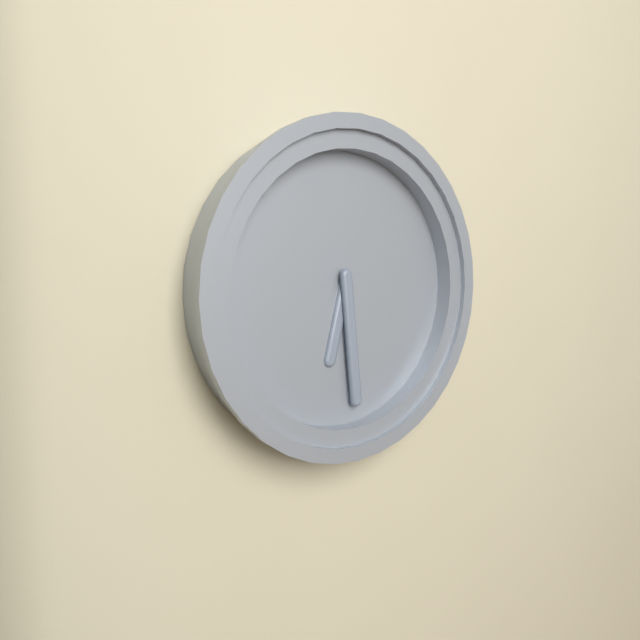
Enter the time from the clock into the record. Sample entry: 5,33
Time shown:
6,29
